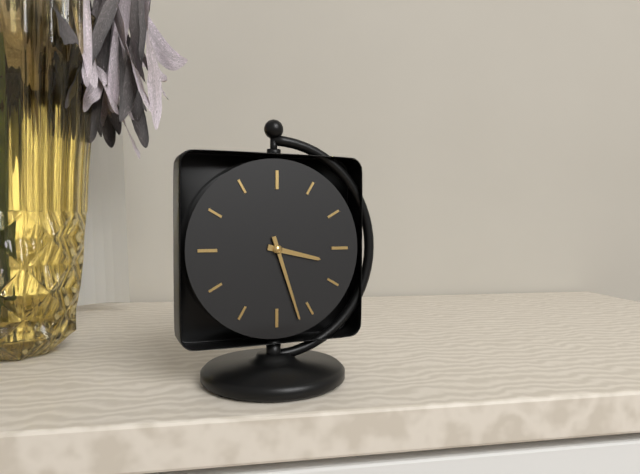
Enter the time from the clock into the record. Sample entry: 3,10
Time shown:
3,27
